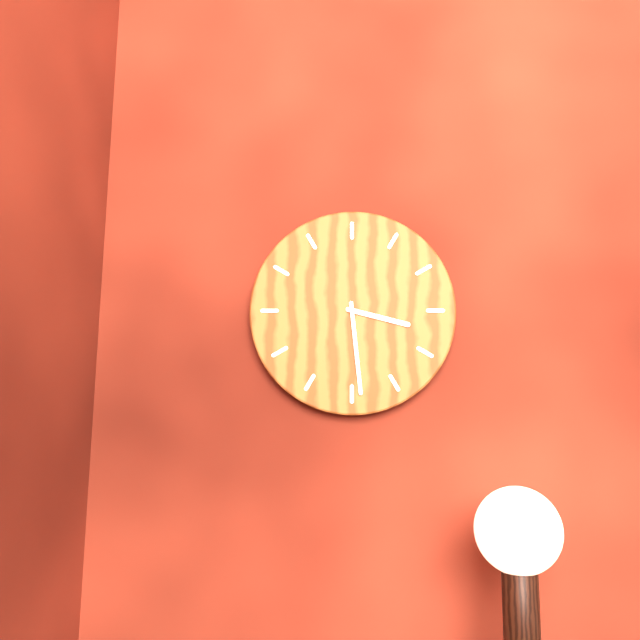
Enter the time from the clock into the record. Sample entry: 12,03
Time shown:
3,29
